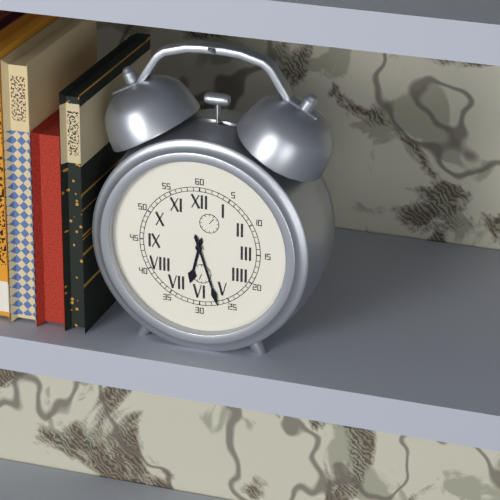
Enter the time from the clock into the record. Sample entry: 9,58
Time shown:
6,27
